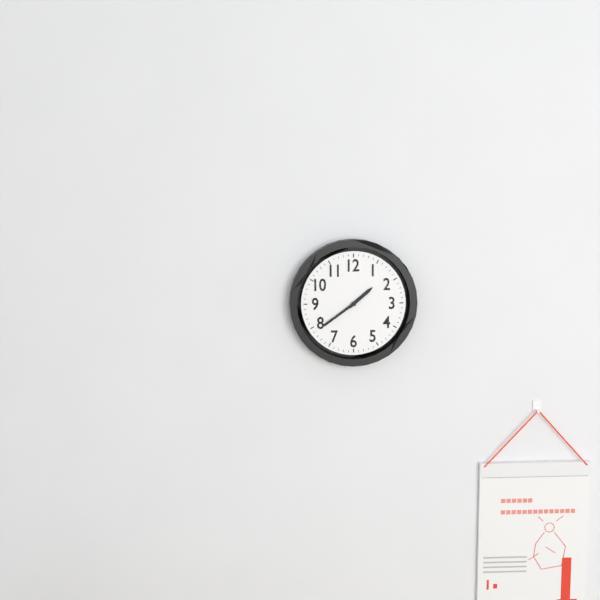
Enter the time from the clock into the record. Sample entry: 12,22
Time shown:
1,39
